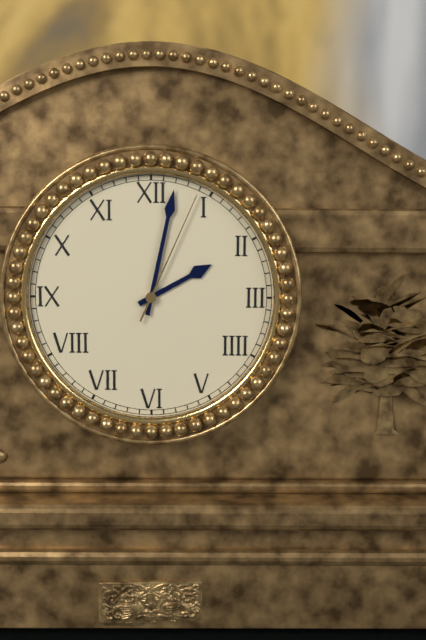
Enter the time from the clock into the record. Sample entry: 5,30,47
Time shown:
2,02,04
